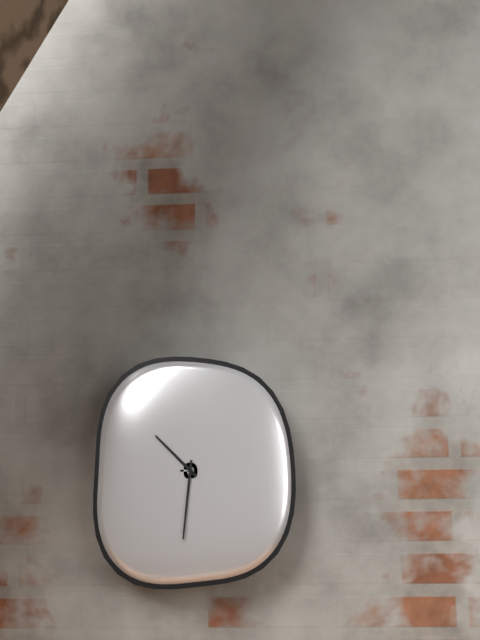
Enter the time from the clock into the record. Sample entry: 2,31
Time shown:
10,31
